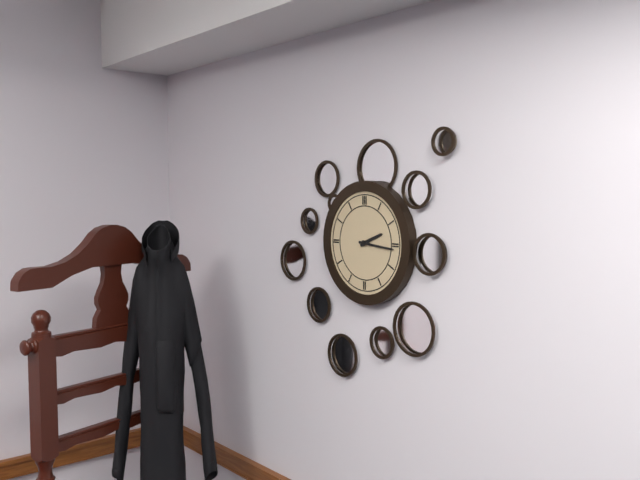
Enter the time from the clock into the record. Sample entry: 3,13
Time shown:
2,16
